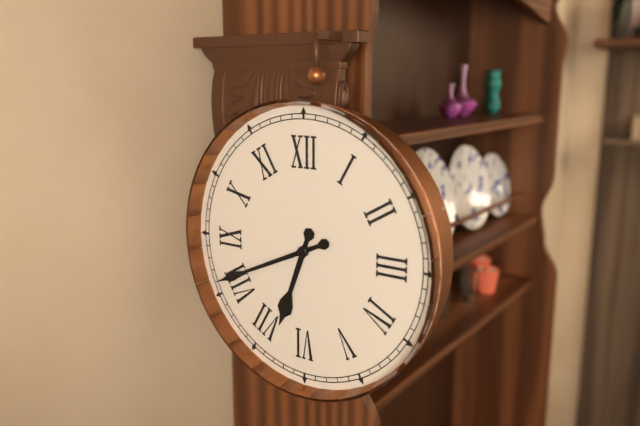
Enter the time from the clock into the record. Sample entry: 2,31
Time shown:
6,41
